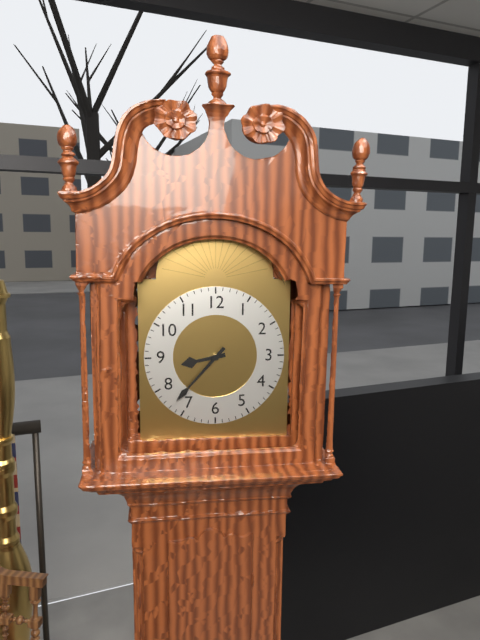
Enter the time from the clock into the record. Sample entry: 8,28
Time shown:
8,37
